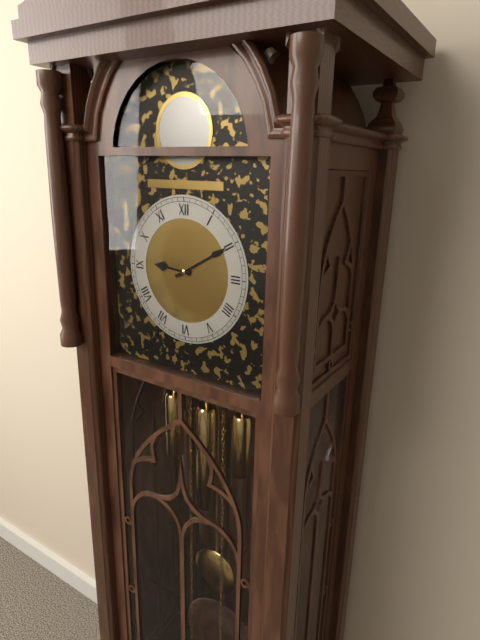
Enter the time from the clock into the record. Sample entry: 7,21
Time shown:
9,10
